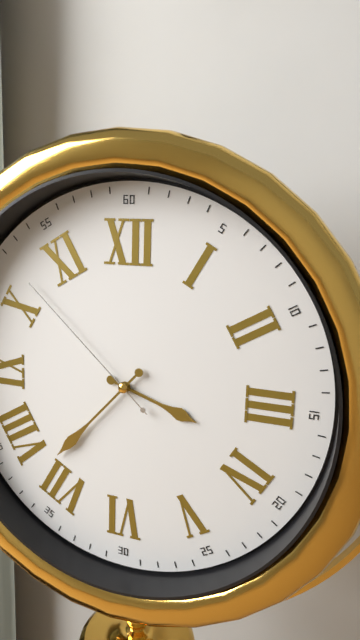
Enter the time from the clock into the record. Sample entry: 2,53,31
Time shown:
3,37,52
